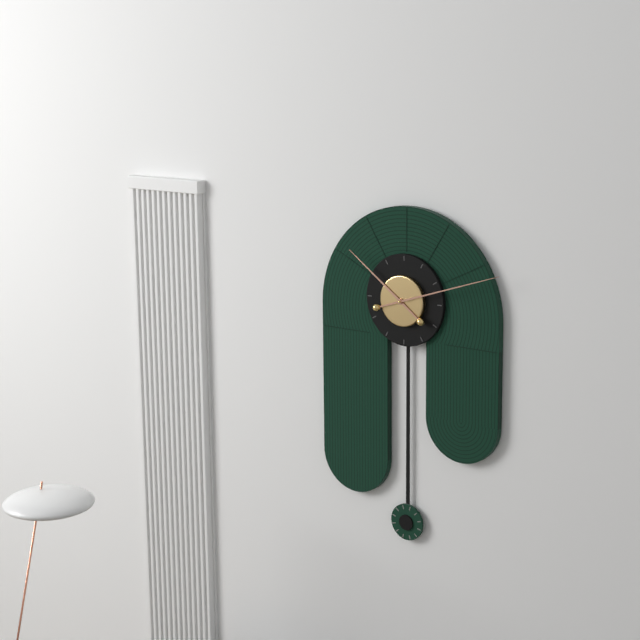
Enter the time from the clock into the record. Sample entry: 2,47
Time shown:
10,12
